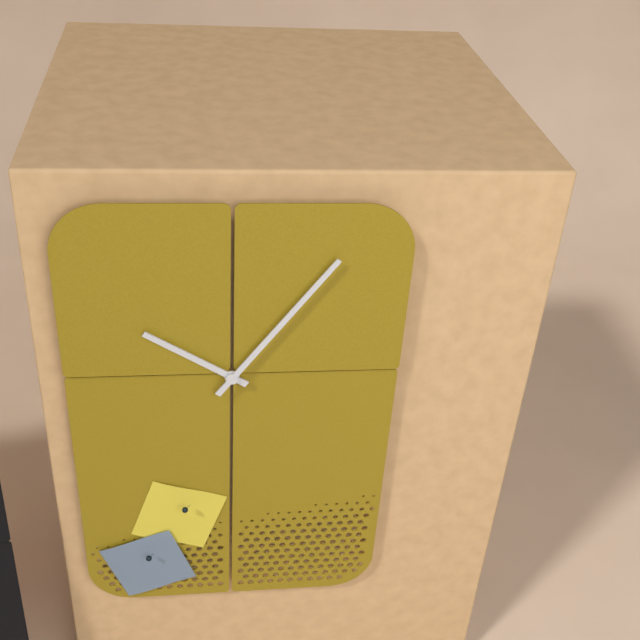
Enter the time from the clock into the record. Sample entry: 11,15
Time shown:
10,06
